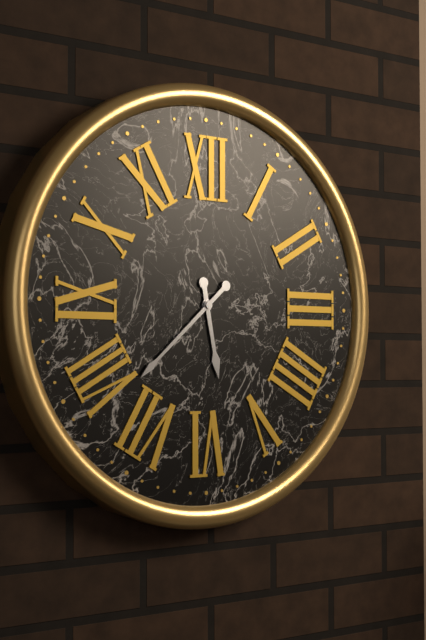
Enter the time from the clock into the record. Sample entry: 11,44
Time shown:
5,38
